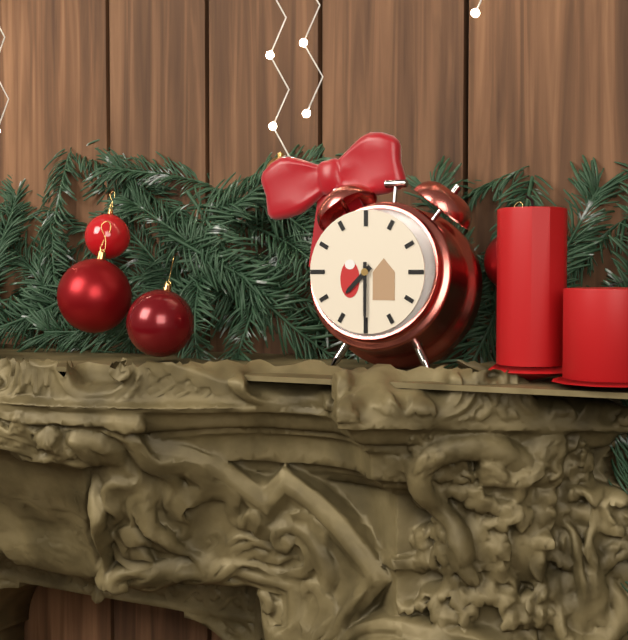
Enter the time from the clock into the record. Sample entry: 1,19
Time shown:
7,30
